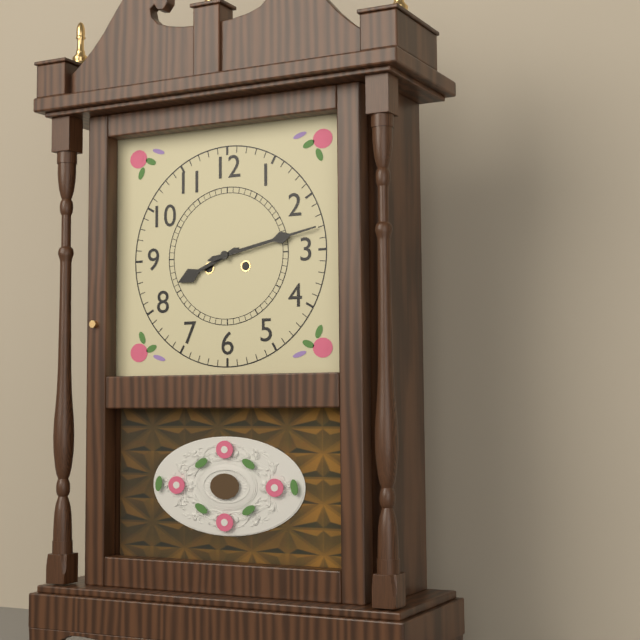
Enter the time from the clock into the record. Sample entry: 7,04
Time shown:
8,13
